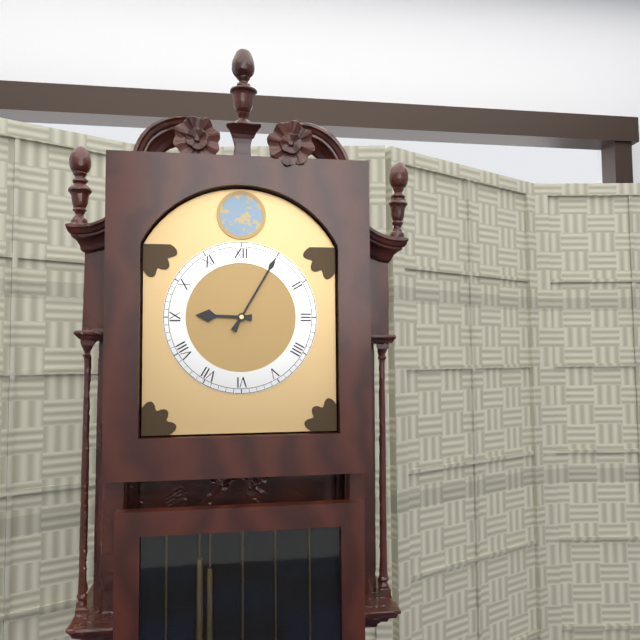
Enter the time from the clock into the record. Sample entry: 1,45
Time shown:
9,05
